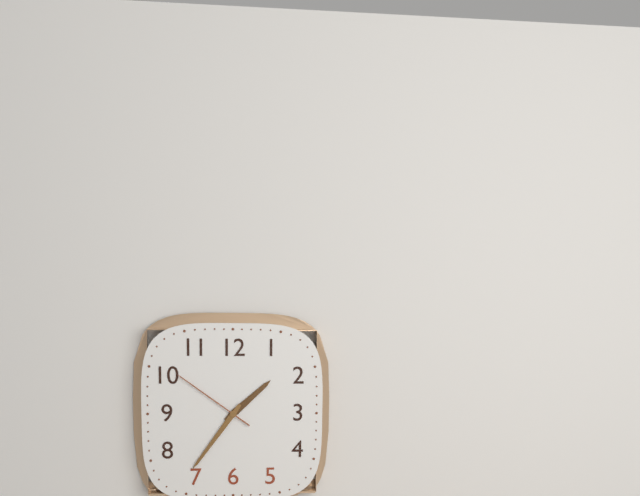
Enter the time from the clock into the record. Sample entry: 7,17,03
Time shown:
1,36,51
